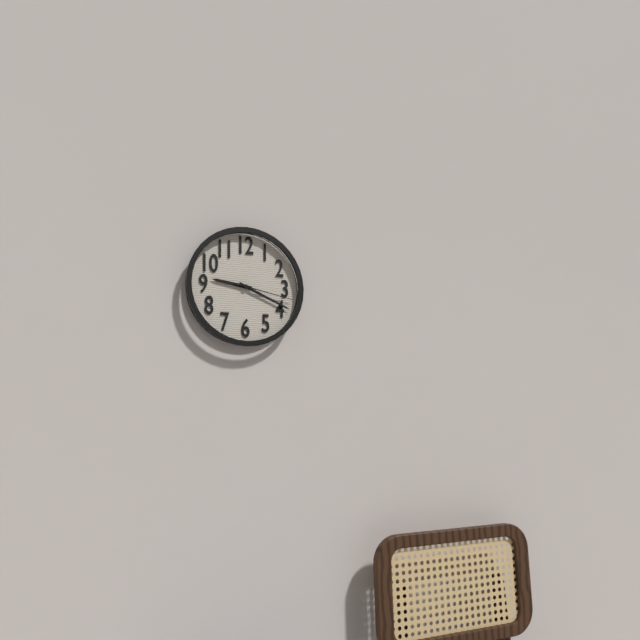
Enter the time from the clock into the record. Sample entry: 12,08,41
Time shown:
9,19,17
